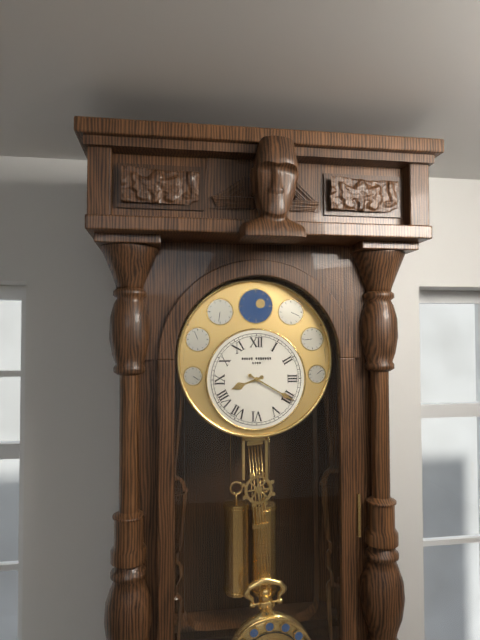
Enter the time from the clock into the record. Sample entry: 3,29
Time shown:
8,20
